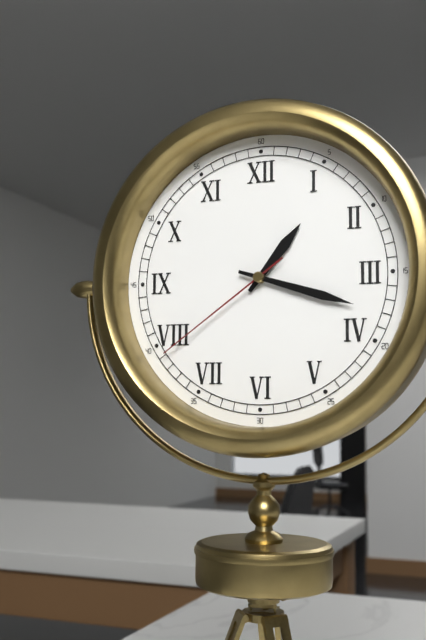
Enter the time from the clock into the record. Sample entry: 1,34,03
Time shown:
1,18,39
